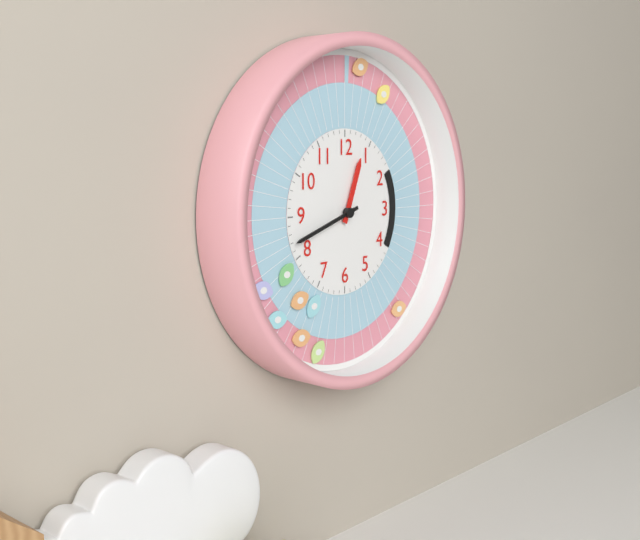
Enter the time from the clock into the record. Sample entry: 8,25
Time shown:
12,42
